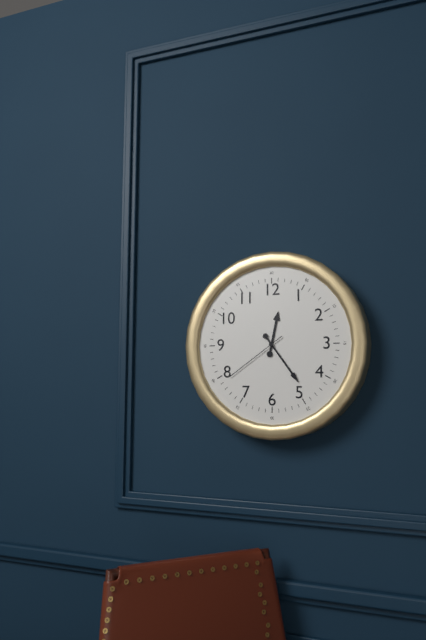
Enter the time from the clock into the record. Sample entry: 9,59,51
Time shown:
12,24,39
